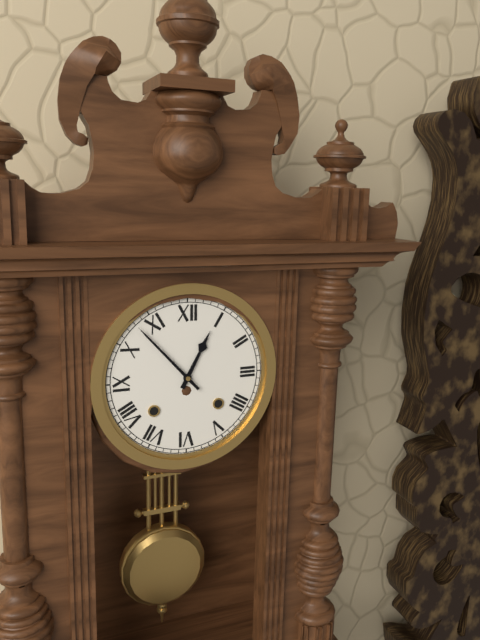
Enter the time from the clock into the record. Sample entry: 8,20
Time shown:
12,53
